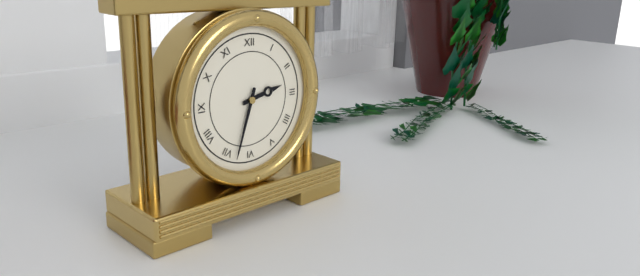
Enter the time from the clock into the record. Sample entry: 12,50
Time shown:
2,33
